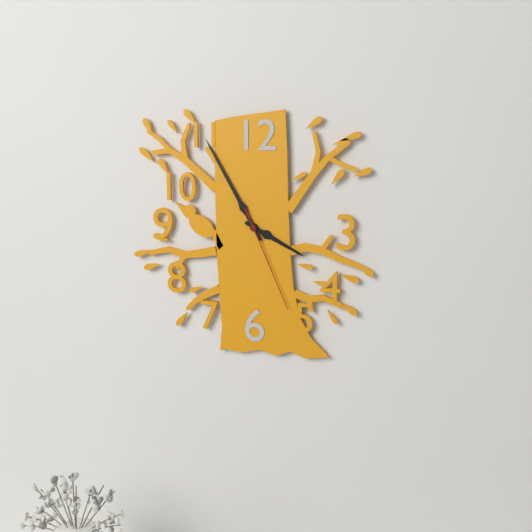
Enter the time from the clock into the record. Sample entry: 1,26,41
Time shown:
3,55,26
